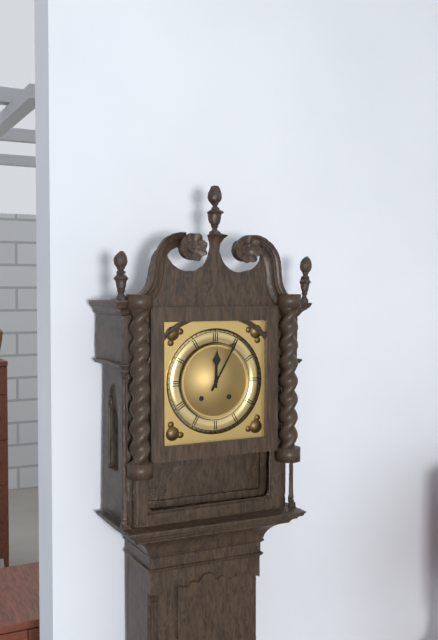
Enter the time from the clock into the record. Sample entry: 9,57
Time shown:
12,05
